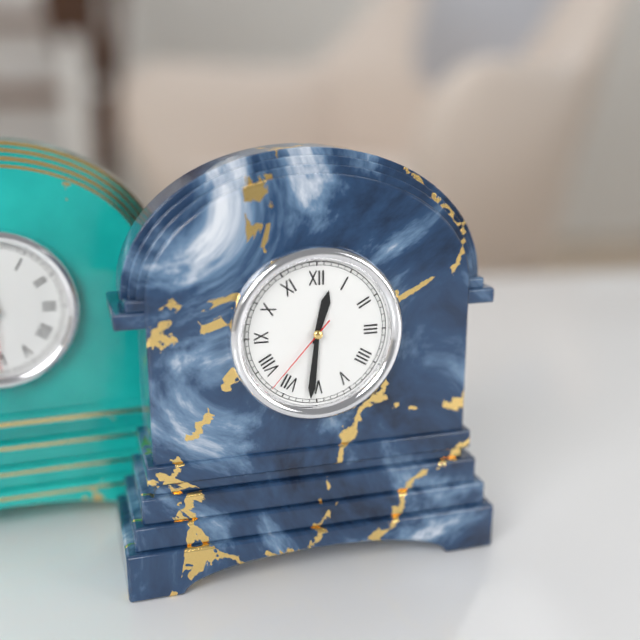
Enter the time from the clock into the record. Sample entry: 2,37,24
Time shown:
12,31,37
